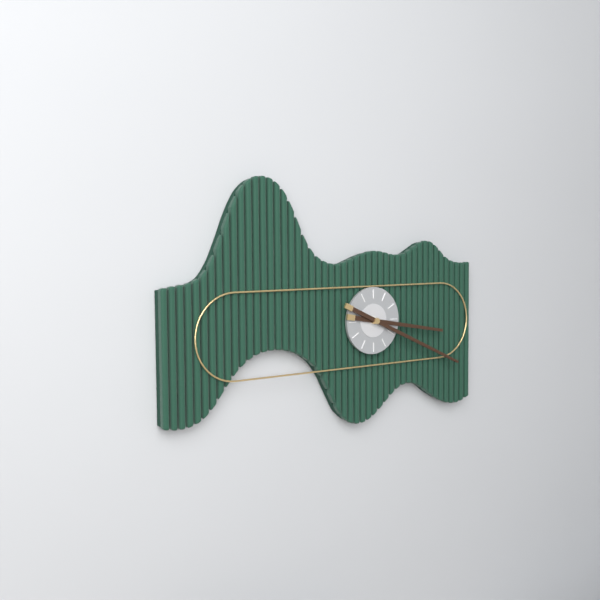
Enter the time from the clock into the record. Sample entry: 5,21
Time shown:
3,19
